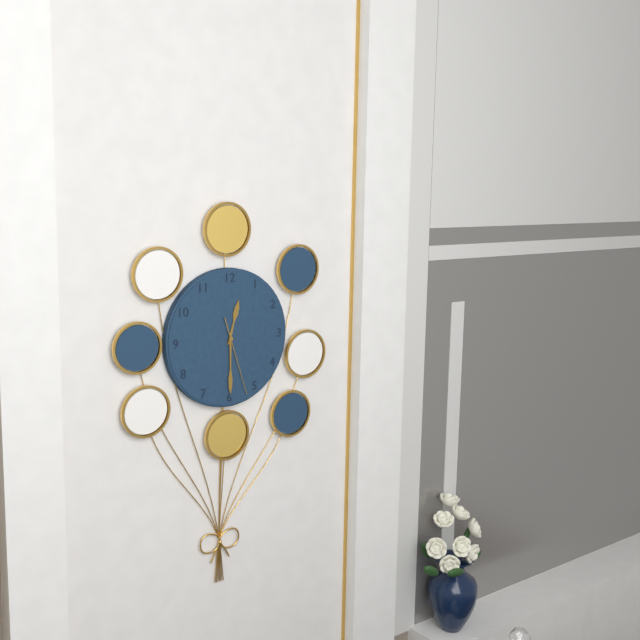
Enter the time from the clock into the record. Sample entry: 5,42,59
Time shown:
12,30,27
